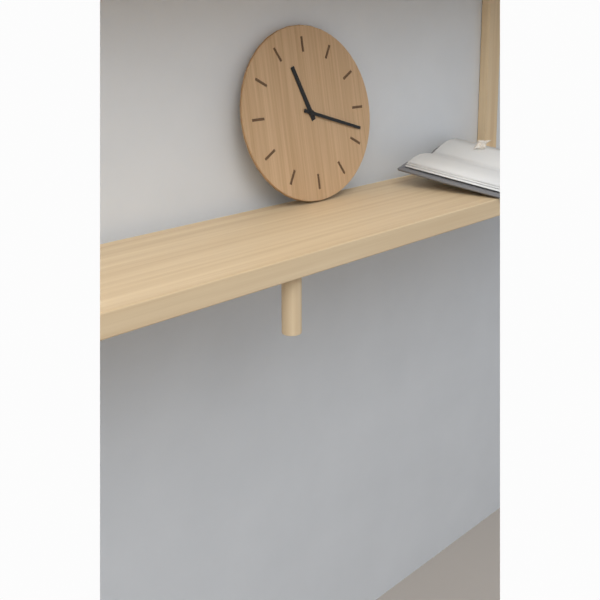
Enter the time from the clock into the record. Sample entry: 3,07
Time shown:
11,18
